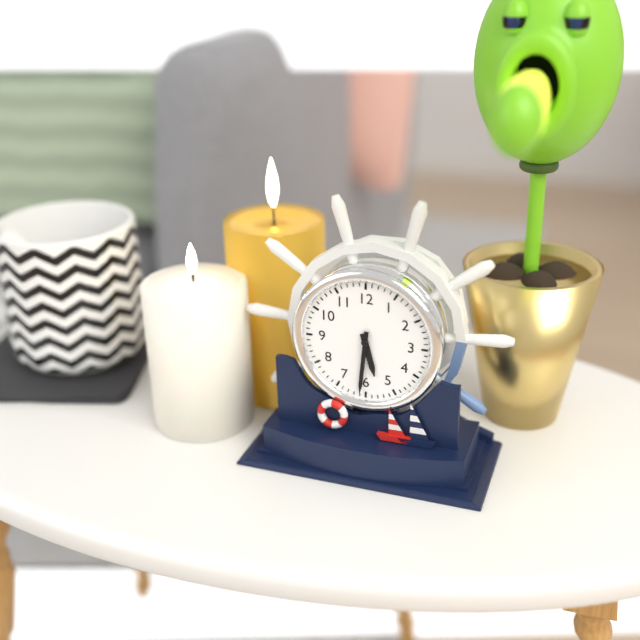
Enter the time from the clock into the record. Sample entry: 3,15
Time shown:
5,31
